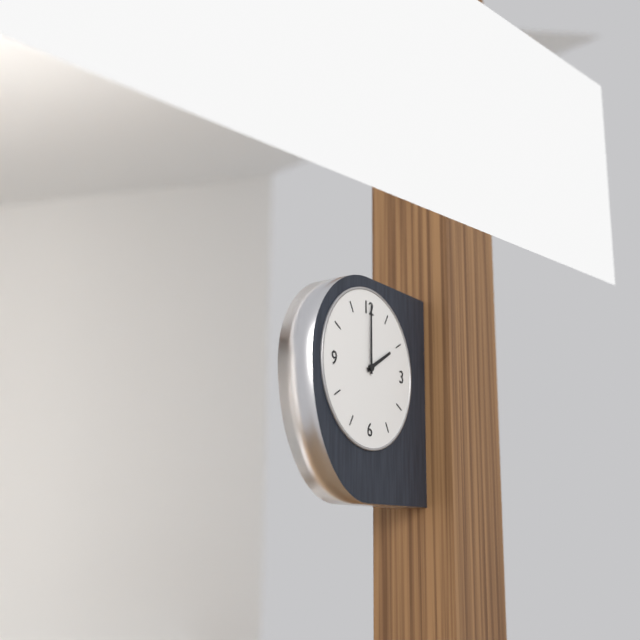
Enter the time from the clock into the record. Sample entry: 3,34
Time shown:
2,00
